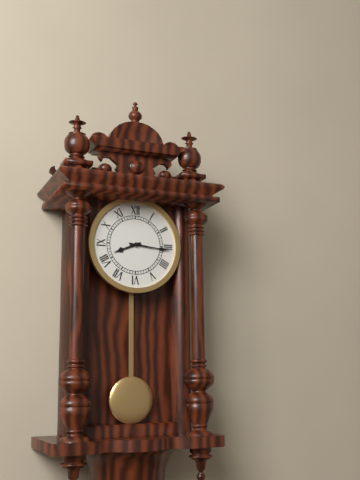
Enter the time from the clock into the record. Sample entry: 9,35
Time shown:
8,16
